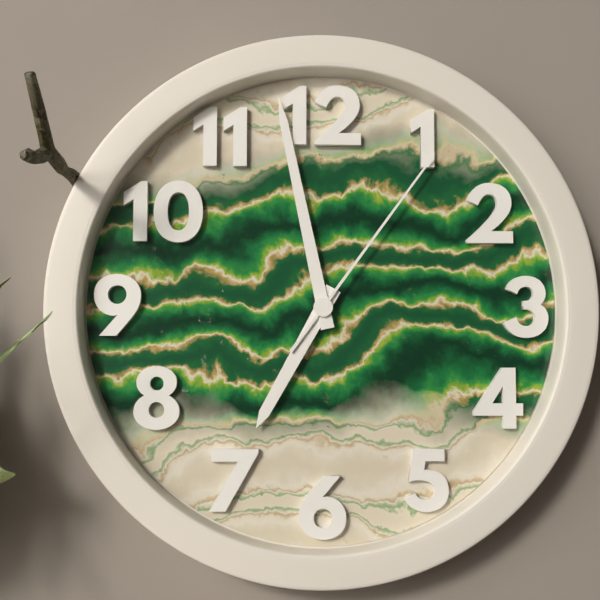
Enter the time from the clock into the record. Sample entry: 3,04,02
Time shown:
6,58,06
